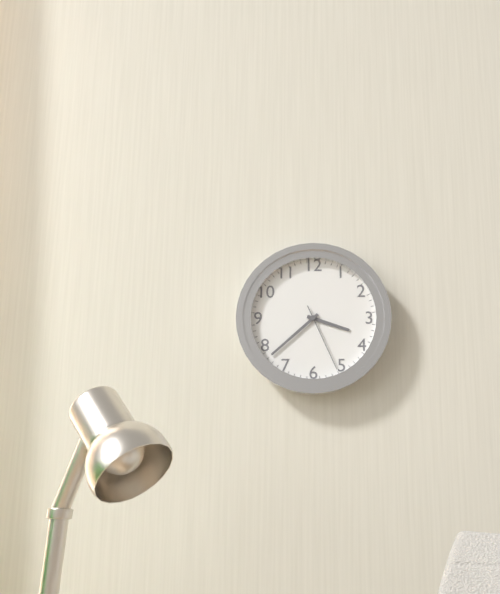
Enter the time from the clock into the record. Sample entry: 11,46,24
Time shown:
3,38,26
